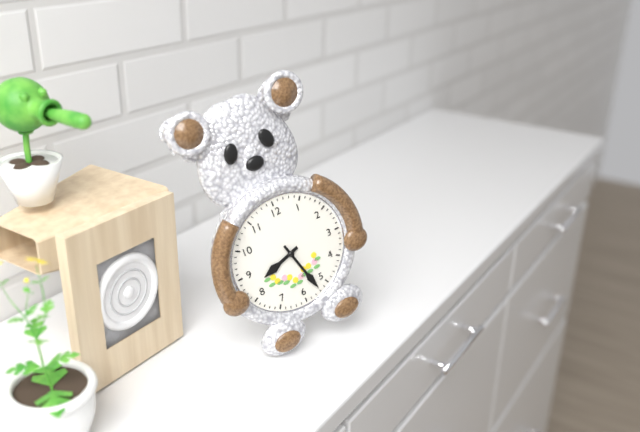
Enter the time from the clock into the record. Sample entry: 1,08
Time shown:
8,27
